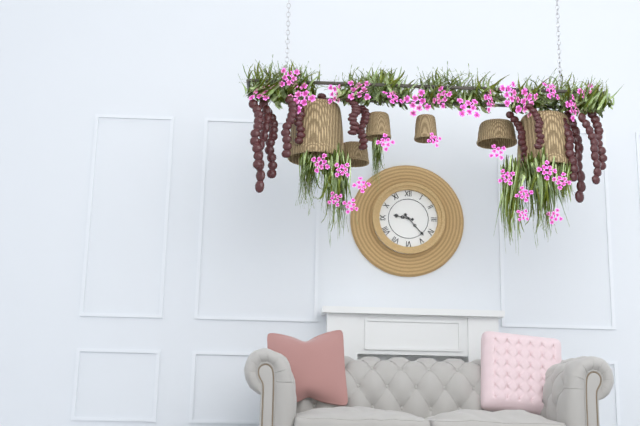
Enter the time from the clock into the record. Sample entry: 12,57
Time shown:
9,23
